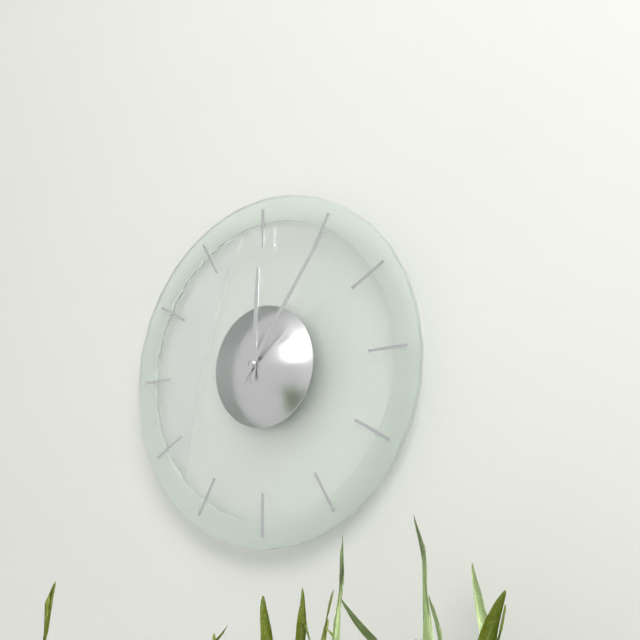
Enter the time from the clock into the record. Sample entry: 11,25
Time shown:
12,06
